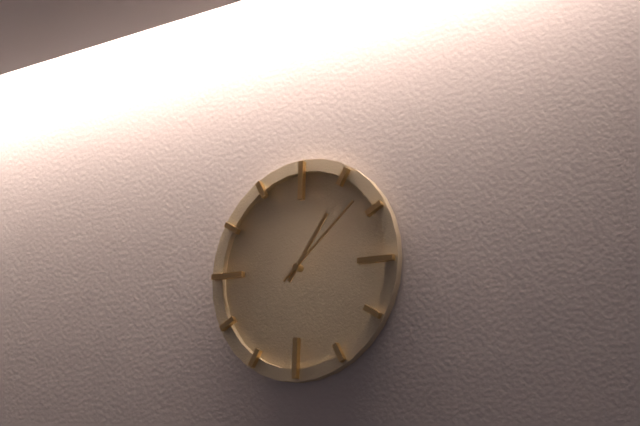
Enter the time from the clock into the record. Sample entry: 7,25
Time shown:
1,08
